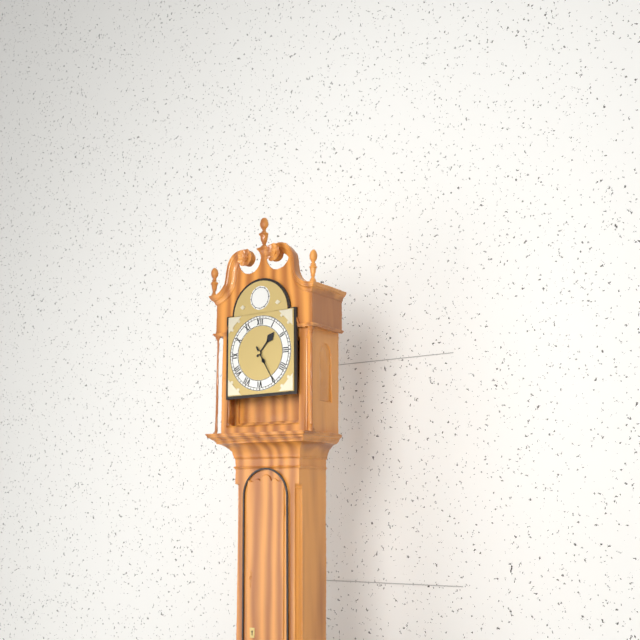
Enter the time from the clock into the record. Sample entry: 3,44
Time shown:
1,25
